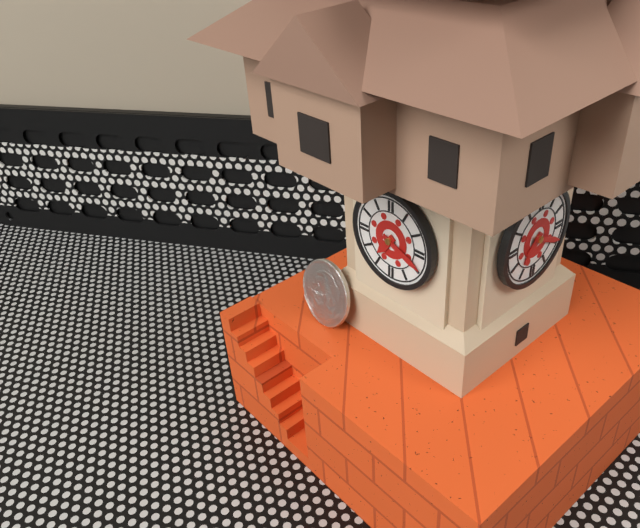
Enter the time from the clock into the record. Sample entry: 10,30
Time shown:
7,19
